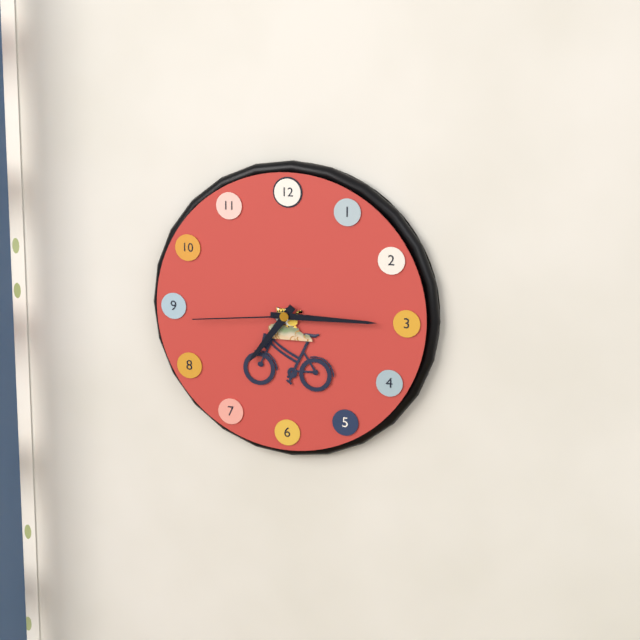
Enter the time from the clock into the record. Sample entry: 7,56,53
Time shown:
7,15,44
